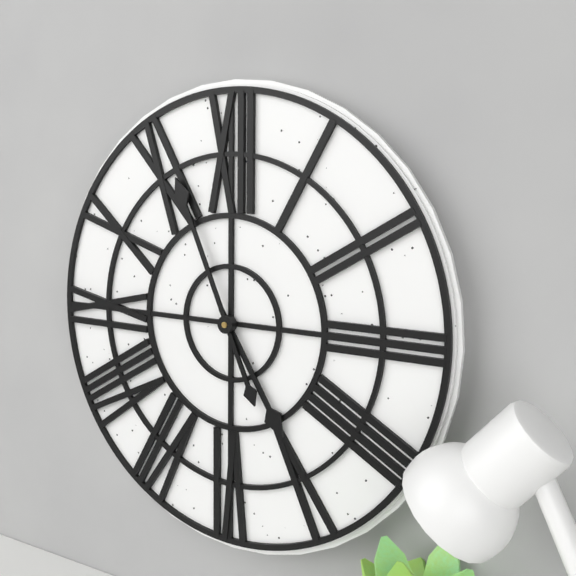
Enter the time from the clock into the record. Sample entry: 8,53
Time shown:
4,56
